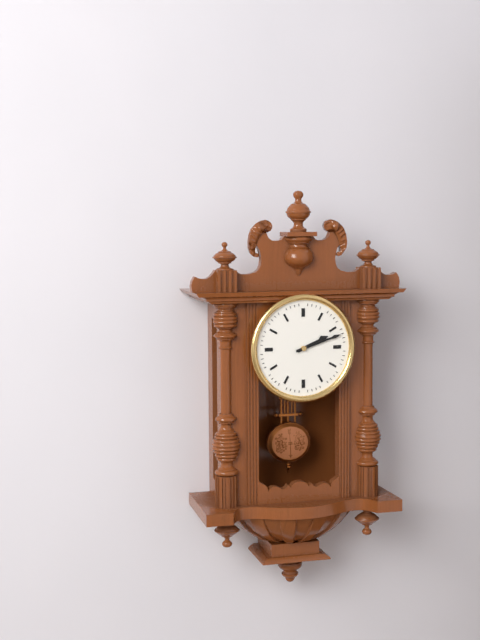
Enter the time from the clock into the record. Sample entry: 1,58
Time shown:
2,12
